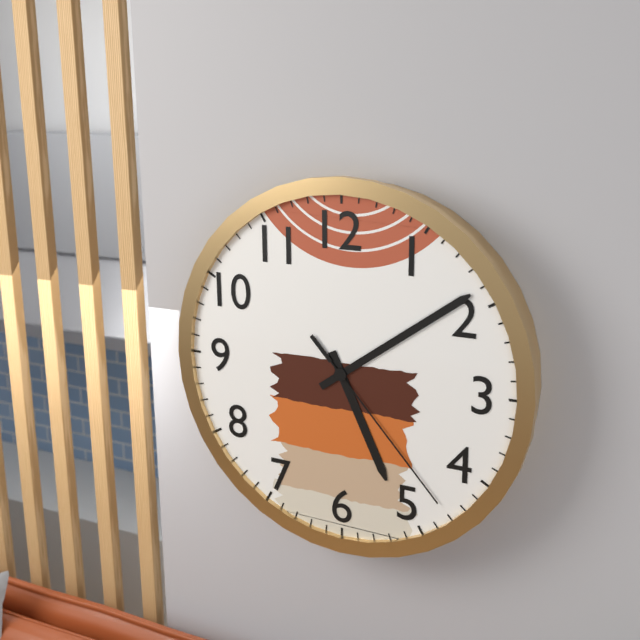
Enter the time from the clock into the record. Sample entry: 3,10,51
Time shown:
5,09,23
